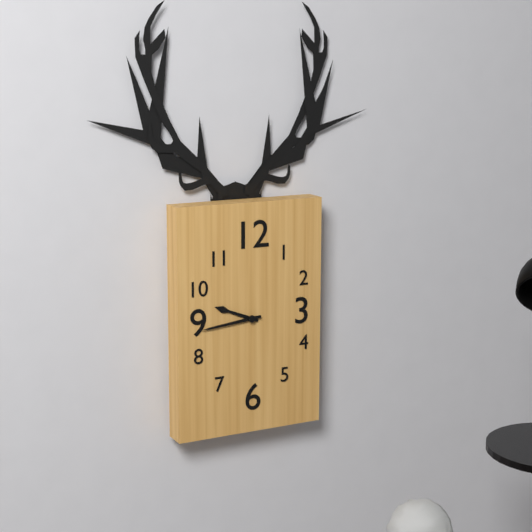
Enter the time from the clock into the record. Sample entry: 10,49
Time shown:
9,44
